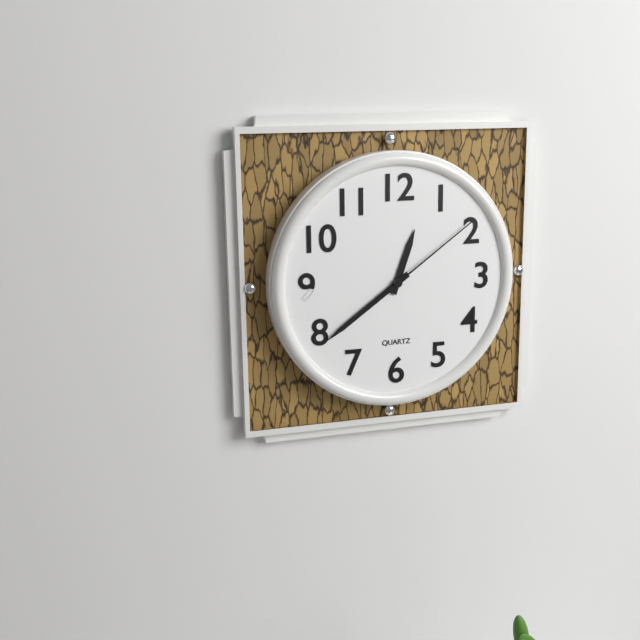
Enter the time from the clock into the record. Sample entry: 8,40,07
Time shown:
12,39,09
